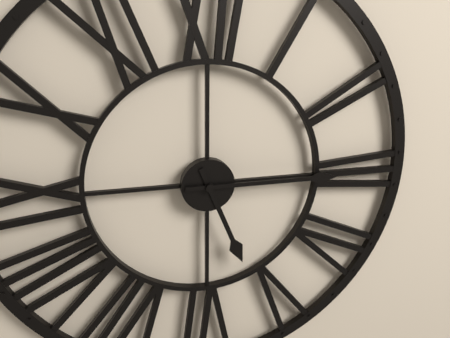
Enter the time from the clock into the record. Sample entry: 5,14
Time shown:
5,15
